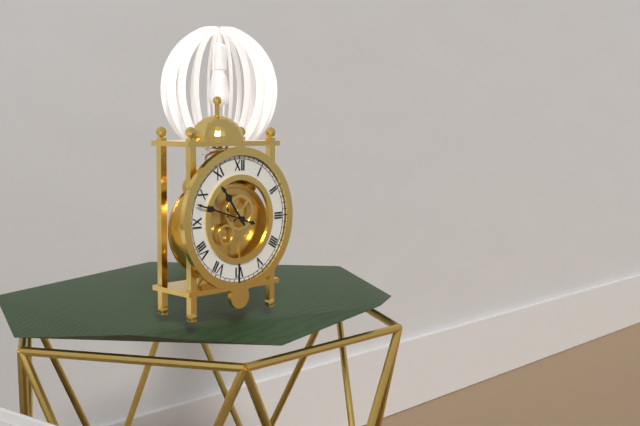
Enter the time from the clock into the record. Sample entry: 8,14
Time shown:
10,48
